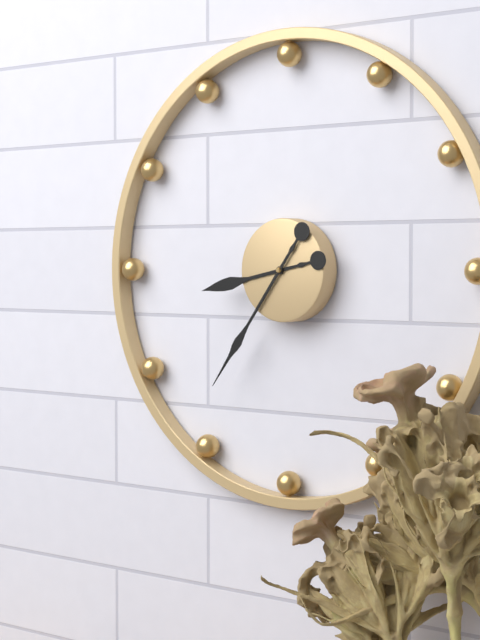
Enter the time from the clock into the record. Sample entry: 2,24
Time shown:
8,36
